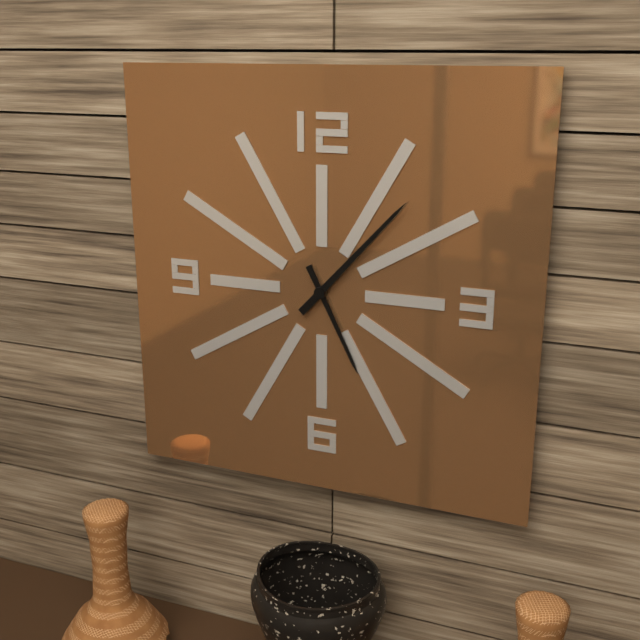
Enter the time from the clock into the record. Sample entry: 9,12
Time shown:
5,07
